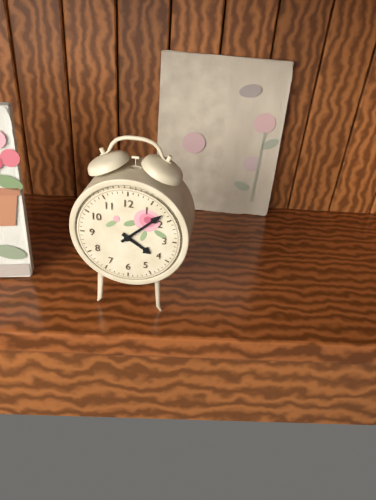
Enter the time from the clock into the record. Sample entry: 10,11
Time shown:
4,08
